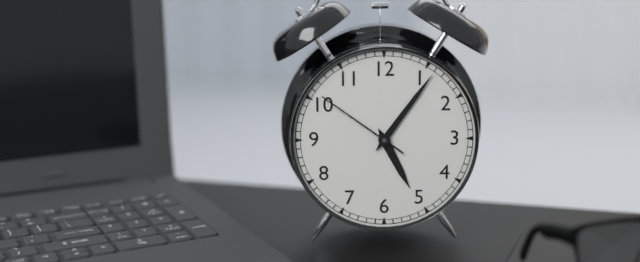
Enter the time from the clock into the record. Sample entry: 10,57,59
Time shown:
5,06,51
